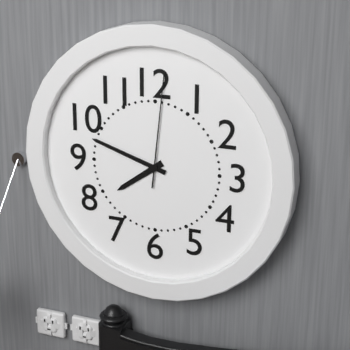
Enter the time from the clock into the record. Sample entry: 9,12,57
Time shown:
7,48,01
